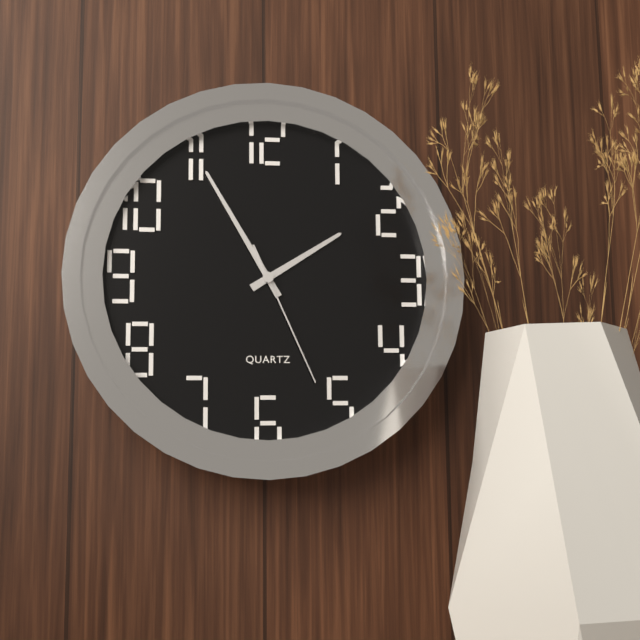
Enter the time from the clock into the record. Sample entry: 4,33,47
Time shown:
1,55,26
